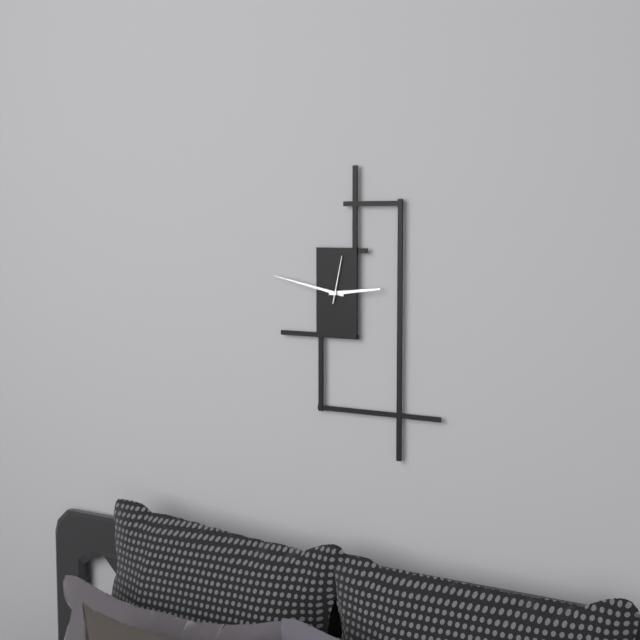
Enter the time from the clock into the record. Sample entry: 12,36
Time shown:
2,47
